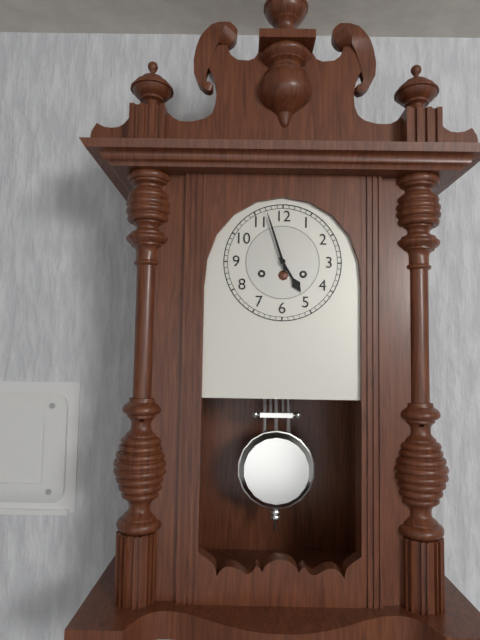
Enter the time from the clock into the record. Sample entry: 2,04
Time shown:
4,57
